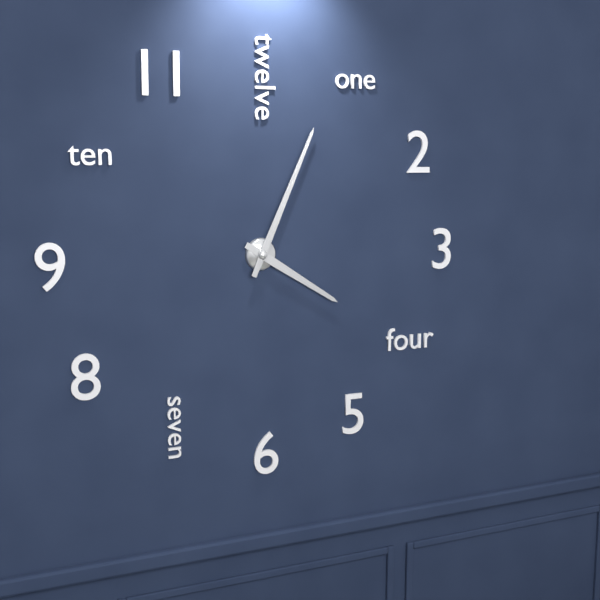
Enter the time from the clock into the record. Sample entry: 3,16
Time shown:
4,04
